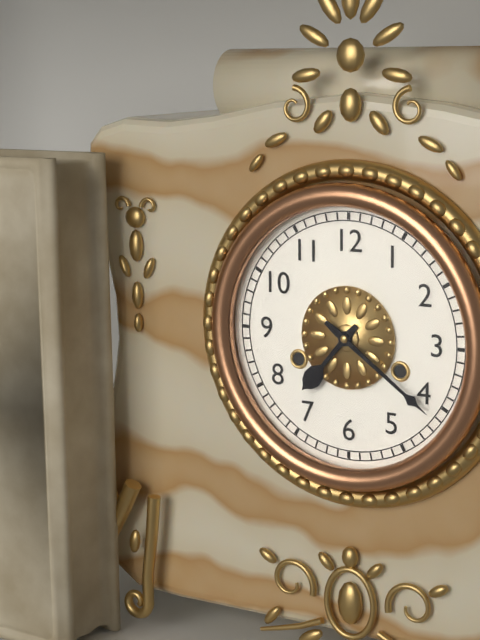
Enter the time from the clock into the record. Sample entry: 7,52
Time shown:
7,21
